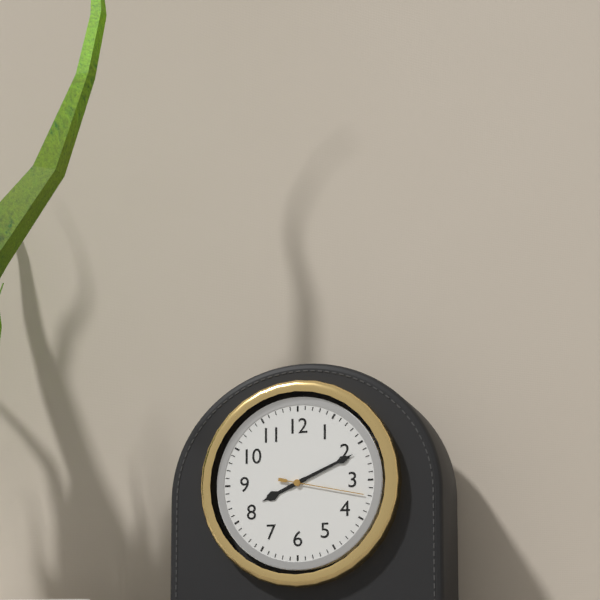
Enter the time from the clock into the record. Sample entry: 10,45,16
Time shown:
8,11,17
